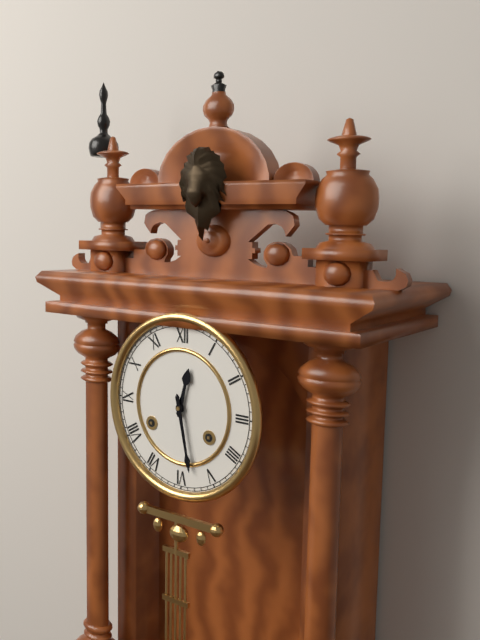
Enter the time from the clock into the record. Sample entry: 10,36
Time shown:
12,28
